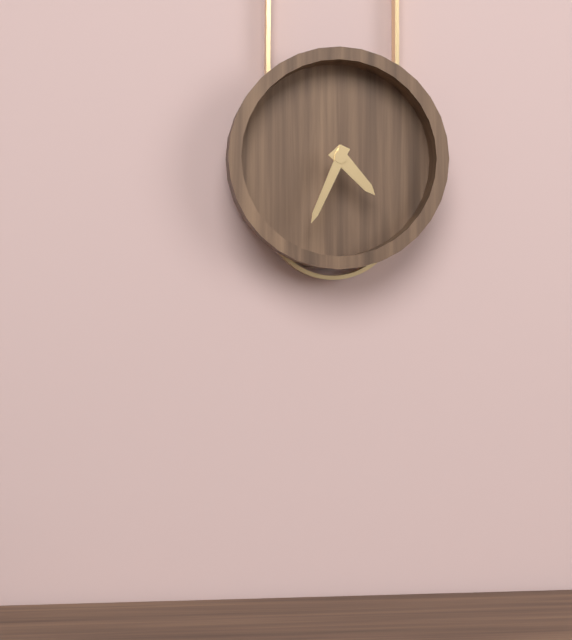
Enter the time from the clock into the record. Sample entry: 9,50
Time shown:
4,34
